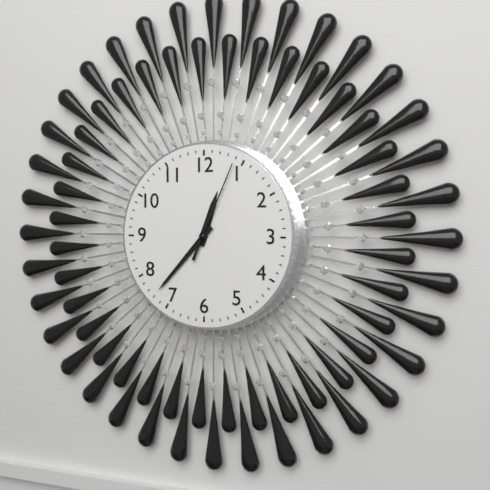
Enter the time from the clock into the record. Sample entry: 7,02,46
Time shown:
12,37,04
